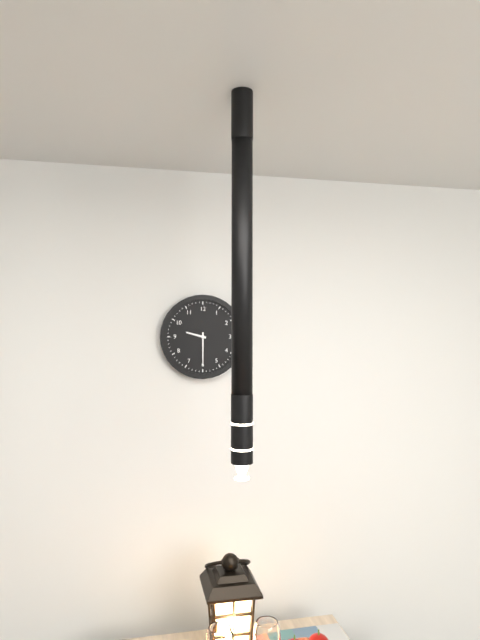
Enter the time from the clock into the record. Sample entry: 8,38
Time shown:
9,30
